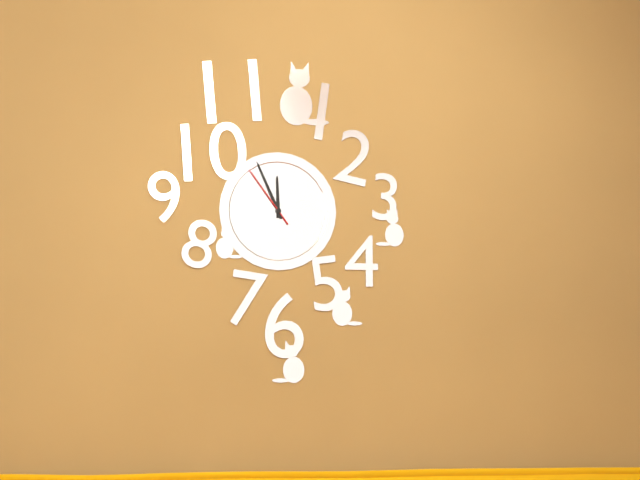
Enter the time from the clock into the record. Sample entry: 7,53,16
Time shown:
11,56,54
